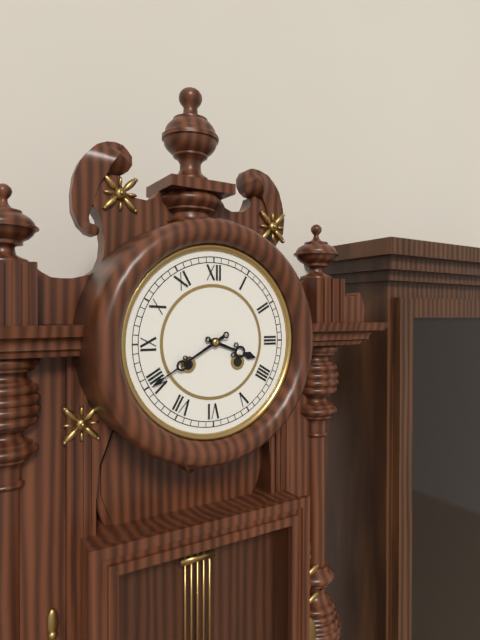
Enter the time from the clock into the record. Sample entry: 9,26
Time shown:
3,40
